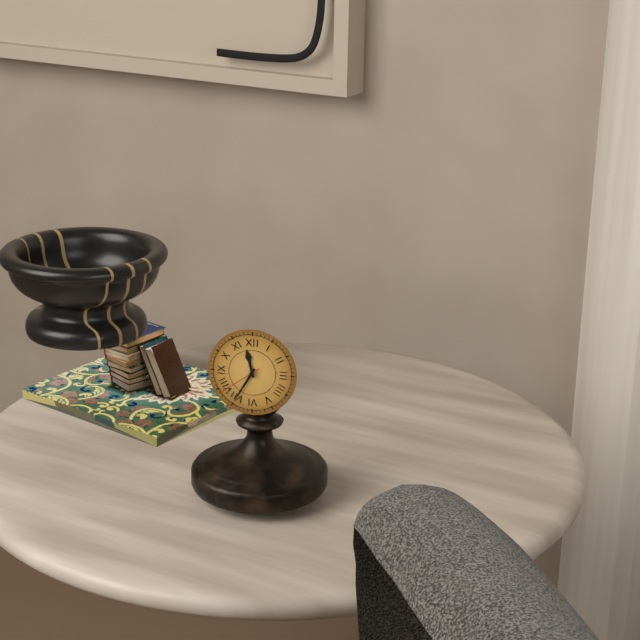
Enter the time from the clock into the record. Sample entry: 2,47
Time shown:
11,35
